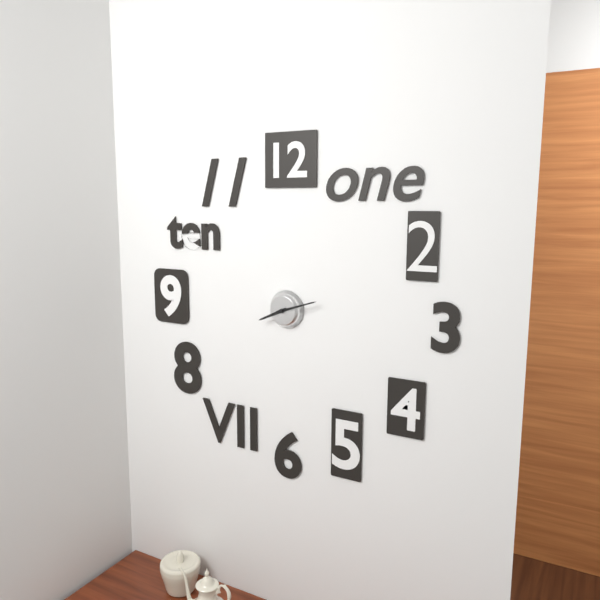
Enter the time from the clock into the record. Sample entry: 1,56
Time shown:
8,12
